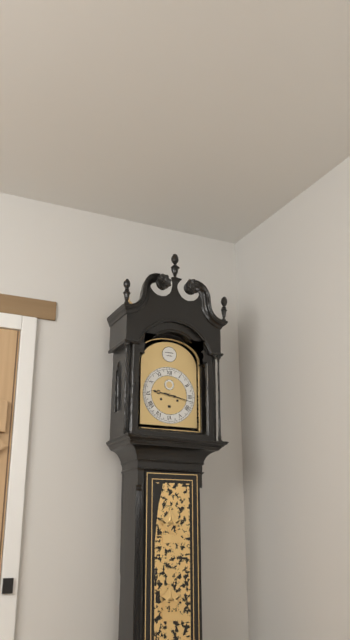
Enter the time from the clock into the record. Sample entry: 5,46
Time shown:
9,17
